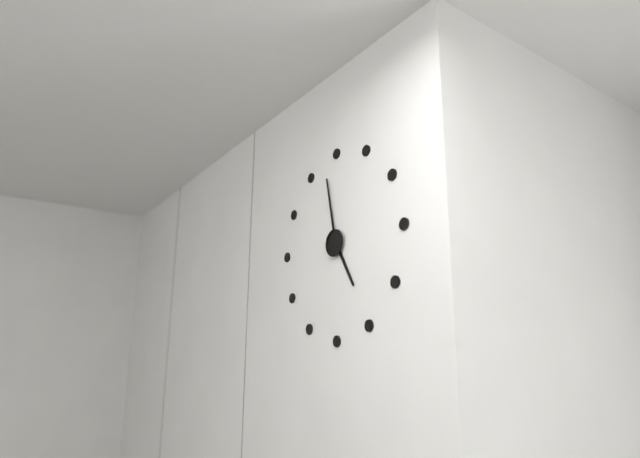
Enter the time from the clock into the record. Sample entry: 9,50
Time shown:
4,58
